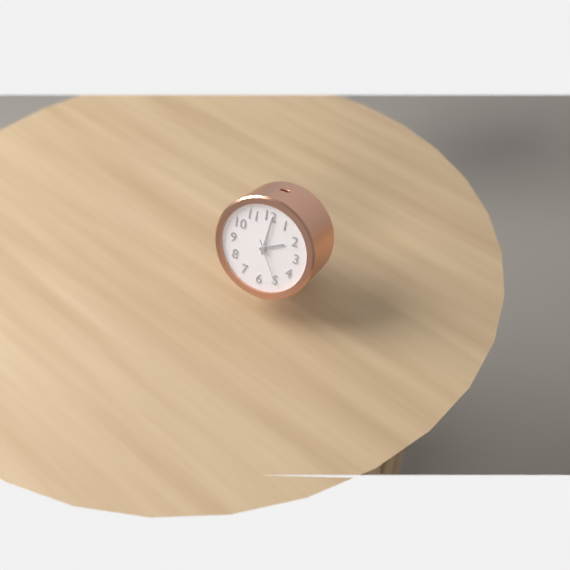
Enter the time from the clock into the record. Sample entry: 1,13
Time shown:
2,01
